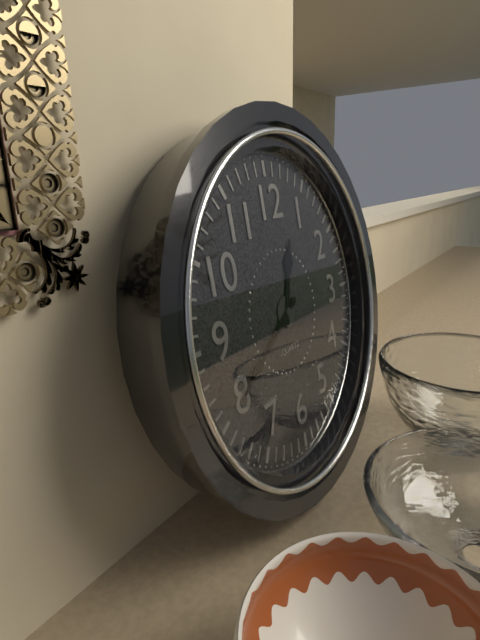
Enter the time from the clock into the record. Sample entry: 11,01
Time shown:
12,40
